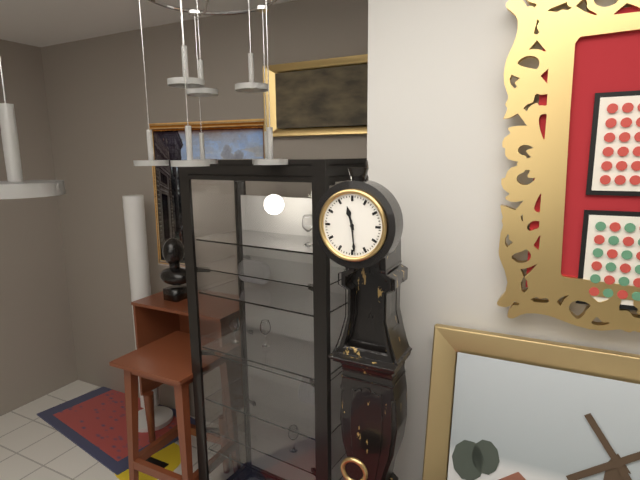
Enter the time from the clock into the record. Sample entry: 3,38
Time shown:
11,29
